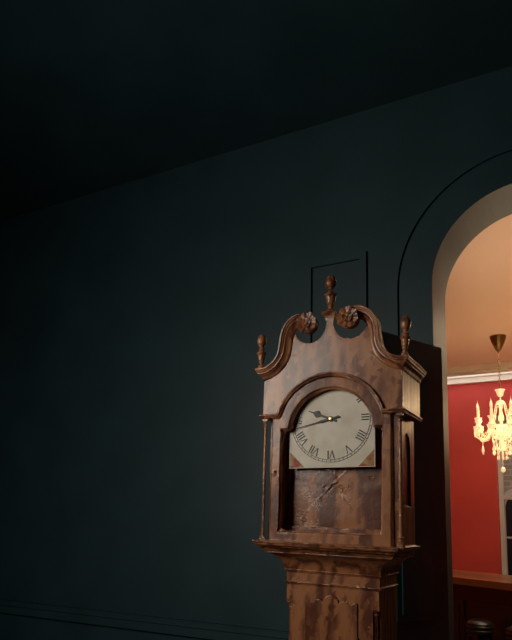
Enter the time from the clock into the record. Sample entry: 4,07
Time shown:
9,43
